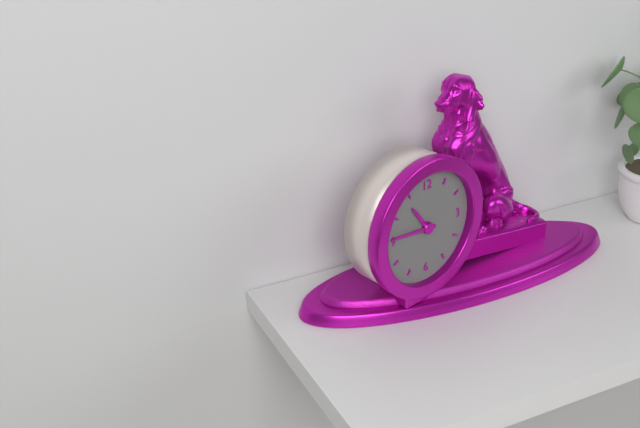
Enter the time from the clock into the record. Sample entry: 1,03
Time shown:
10,46
